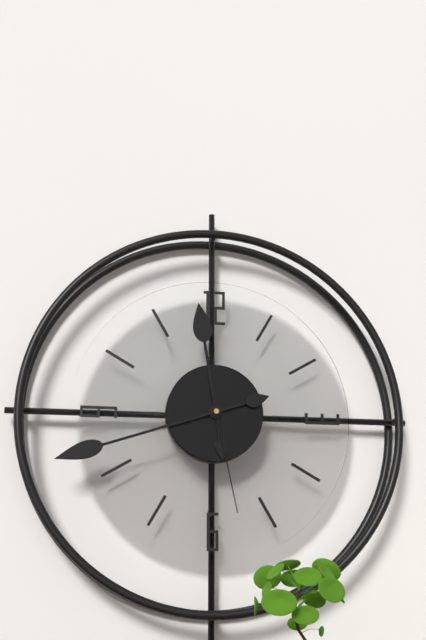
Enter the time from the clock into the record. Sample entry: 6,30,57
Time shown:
11,42,28
